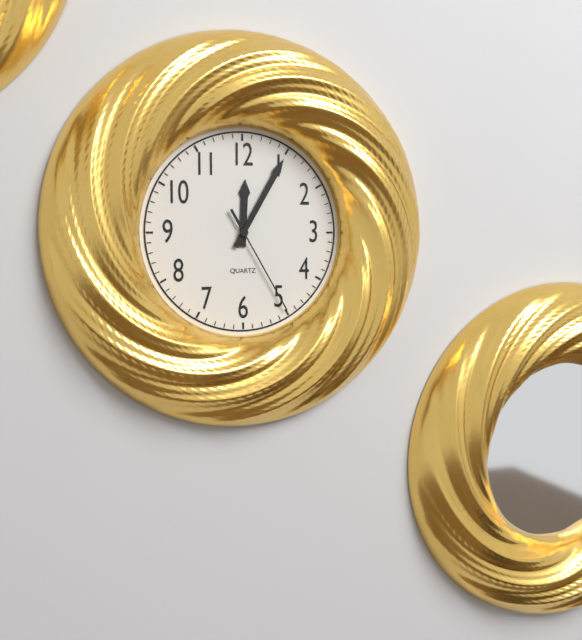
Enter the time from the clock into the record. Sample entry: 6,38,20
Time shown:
12,05,25
